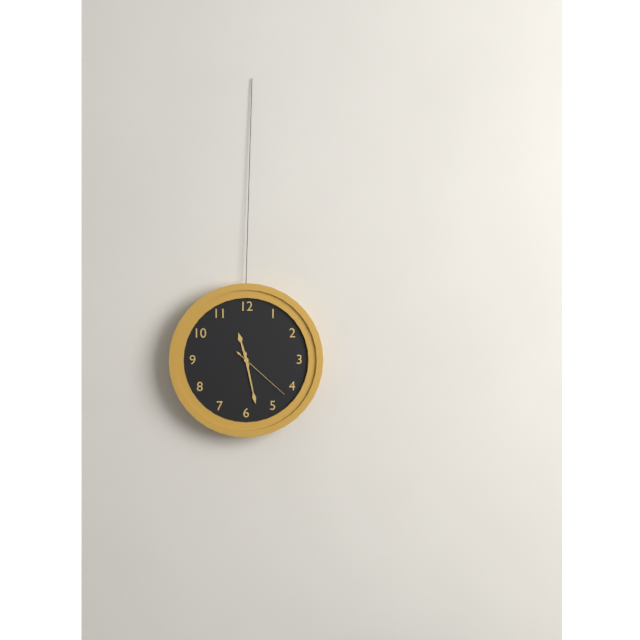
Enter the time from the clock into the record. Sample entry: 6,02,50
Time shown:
11,28,22
